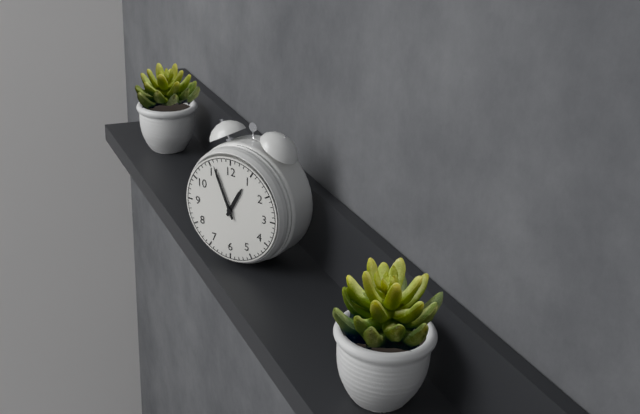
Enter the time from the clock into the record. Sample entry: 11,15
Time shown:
12,56
